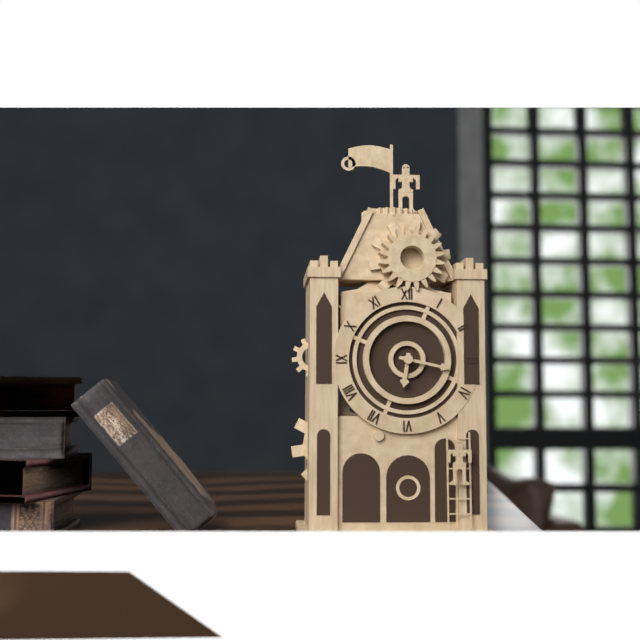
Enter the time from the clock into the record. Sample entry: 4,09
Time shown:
6,17
